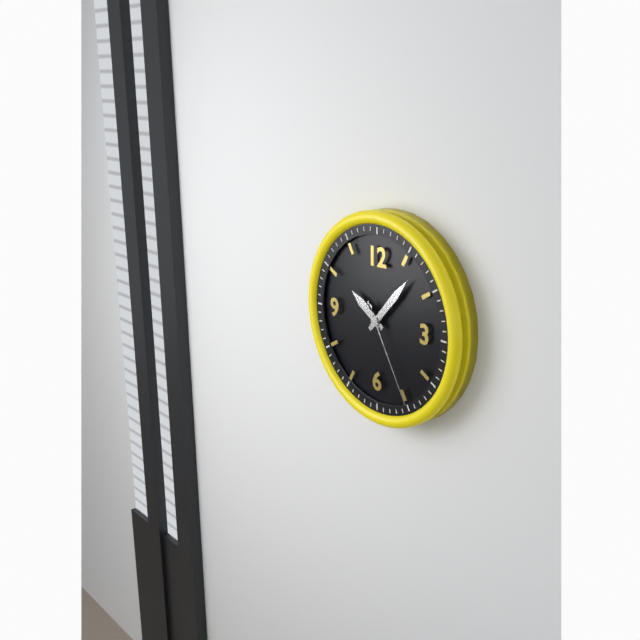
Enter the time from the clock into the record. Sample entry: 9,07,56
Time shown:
10,07,25
